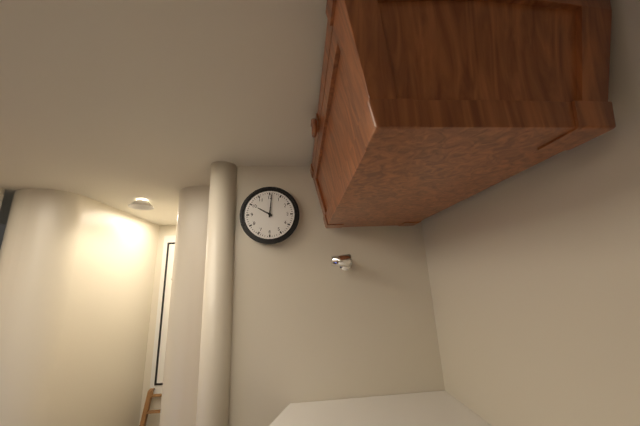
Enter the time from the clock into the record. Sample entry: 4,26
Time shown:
10,01
